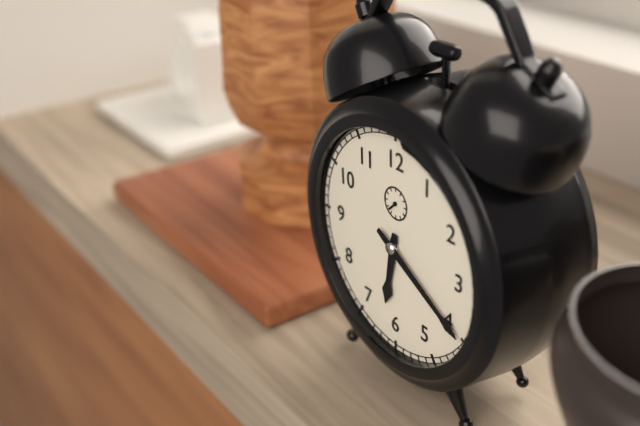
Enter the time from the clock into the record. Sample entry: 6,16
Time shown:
6,20
